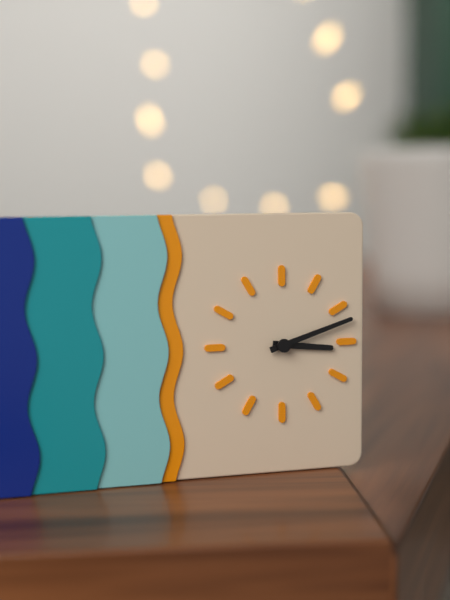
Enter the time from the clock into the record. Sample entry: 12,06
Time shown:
3,12
